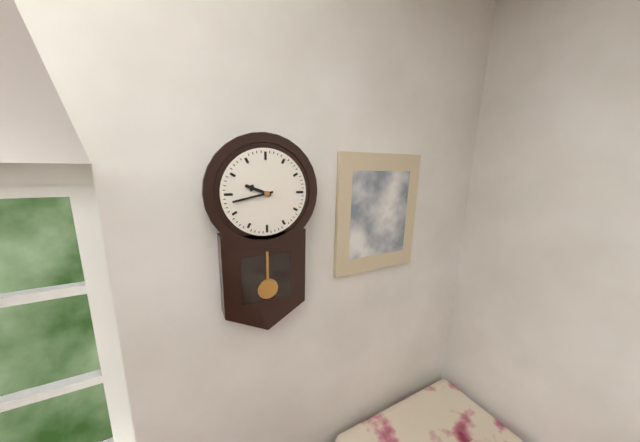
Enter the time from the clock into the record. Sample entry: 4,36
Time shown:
9,43
